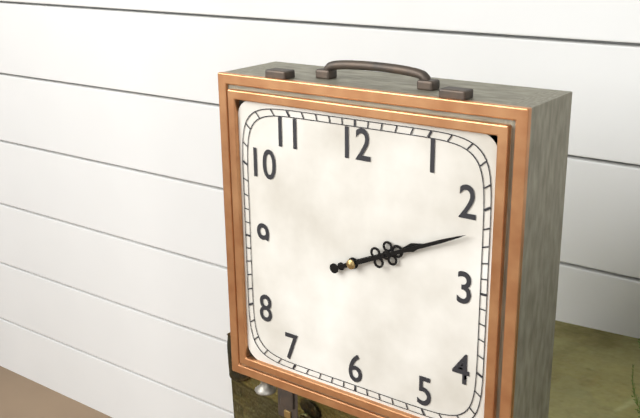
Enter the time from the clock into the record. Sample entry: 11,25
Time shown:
2,11
